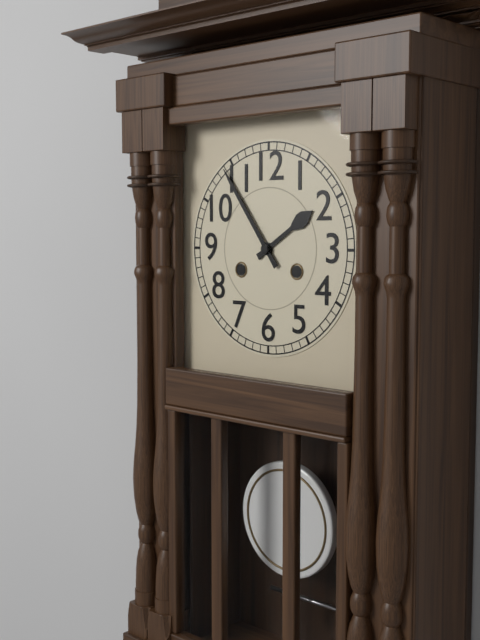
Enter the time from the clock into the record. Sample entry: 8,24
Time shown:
1,54
